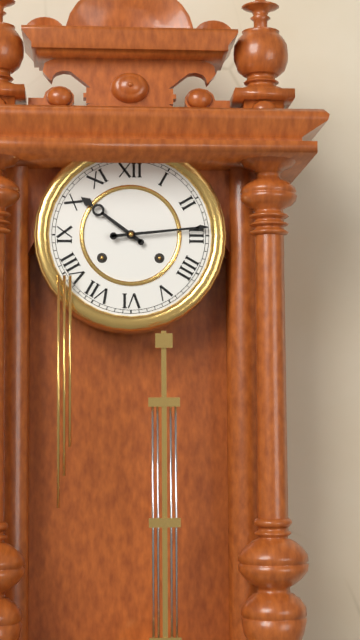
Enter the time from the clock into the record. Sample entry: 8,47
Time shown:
10,14
